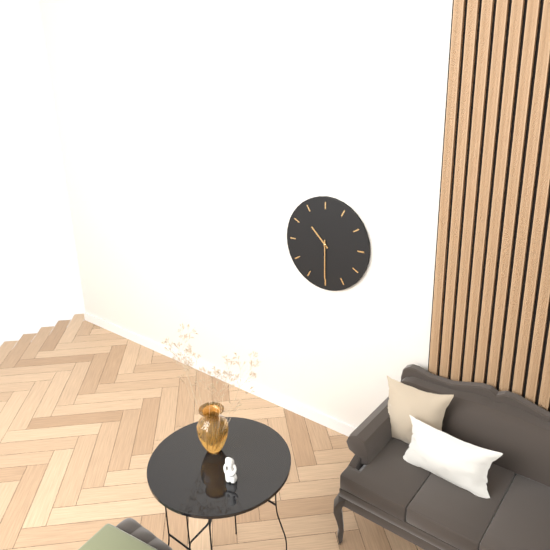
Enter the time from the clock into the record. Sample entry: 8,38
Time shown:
10,30
